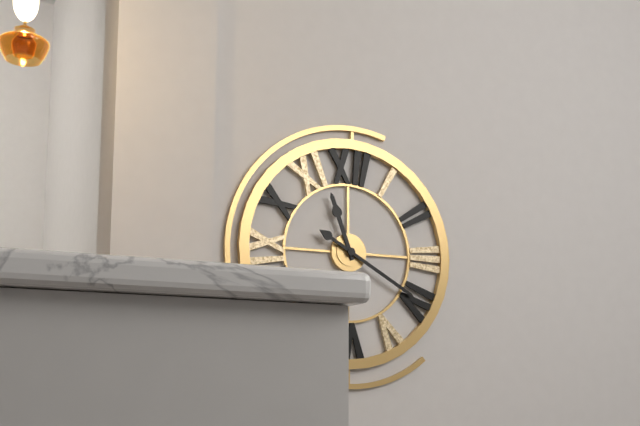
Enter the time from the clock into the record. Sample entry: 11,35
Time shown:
11,20
